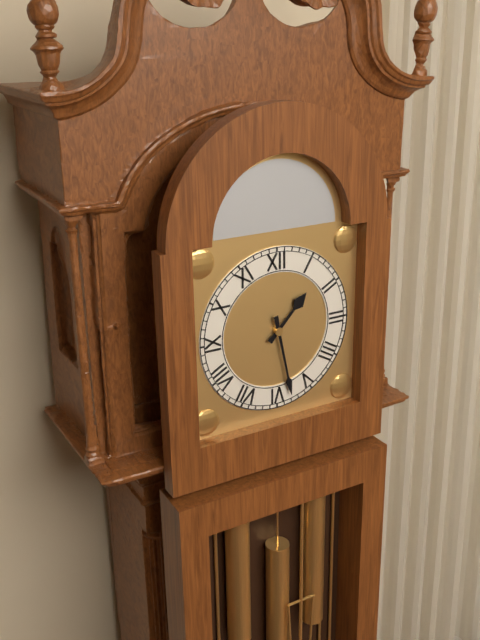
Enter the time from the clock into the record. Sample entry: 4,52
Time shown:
1,28
